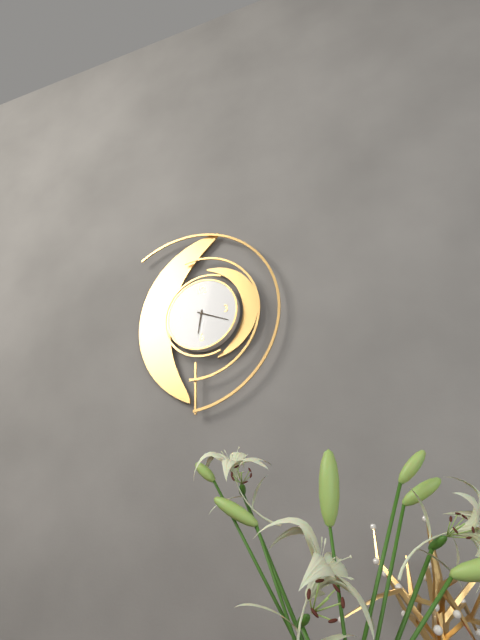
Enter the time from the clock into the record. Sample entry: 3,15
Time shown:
6,19
